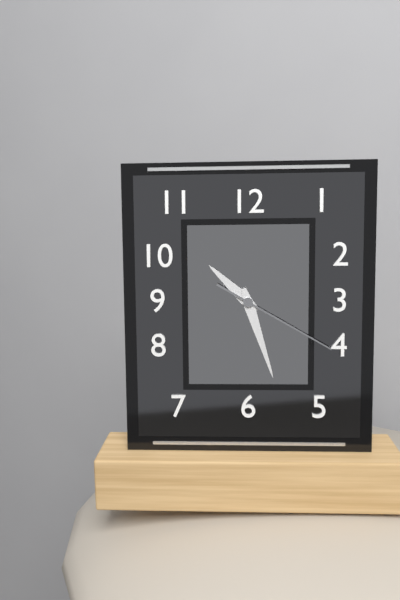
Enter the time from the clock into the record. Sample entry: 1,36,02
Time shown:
10,27,20
